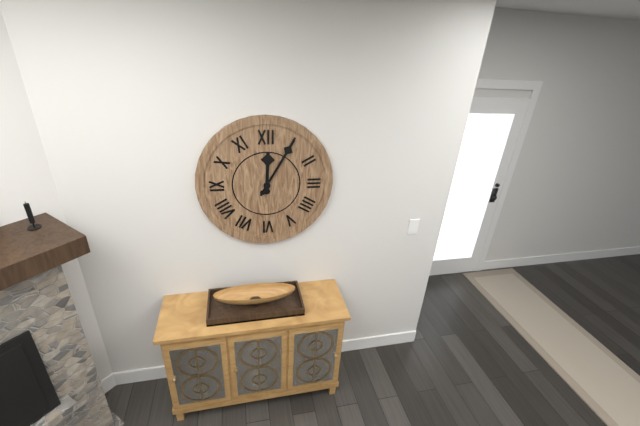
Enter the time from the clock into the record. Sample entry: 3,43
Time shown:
12,05
